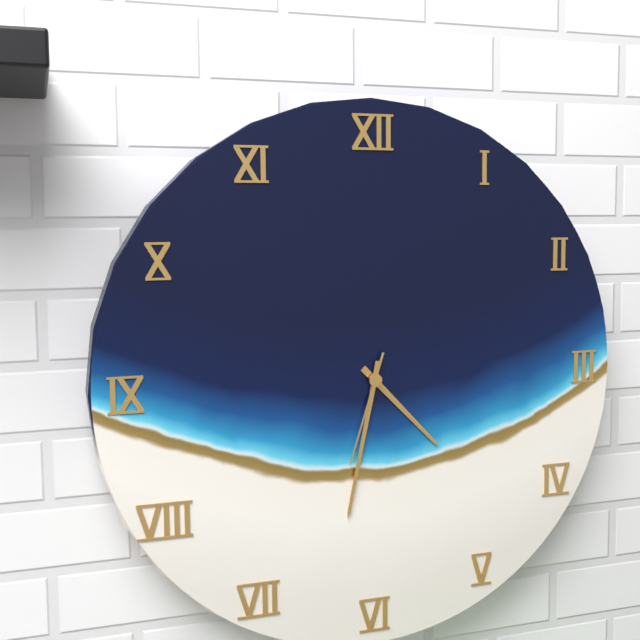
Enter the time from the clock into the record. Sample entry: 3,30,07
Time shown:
4,32,33
